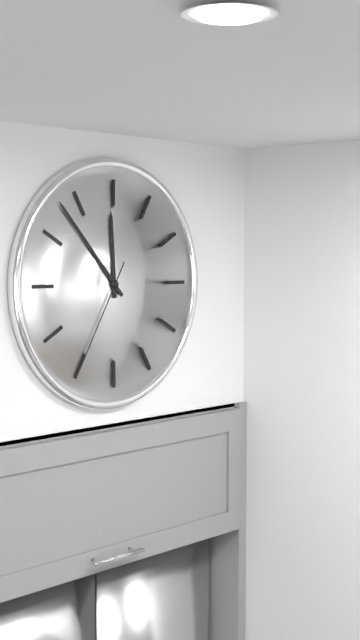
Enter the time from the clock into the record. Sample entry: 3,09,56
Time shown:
11,53,35
